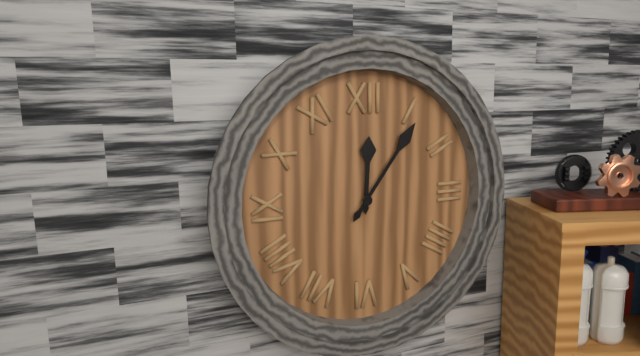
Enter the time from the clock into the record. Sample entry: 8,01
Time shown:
12,06
